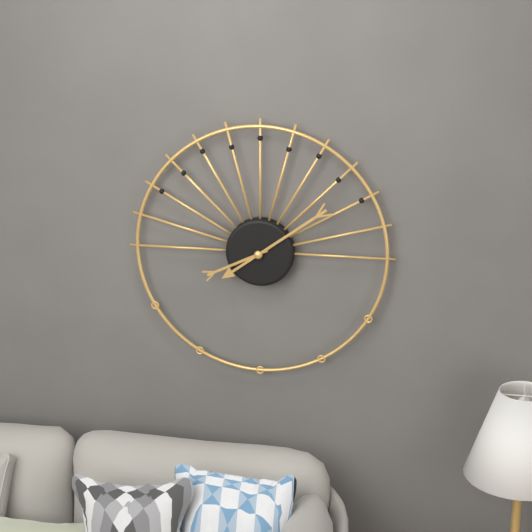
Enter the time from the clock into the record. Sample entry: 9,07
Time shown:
8,09
